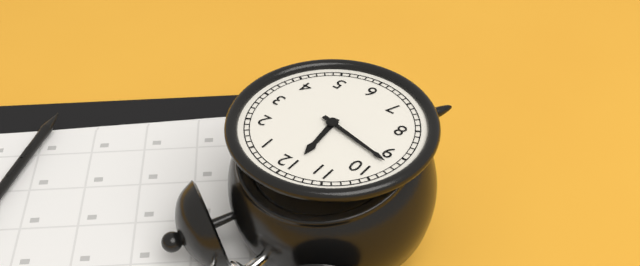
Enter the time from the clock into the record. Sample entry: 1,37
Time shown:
11,47
